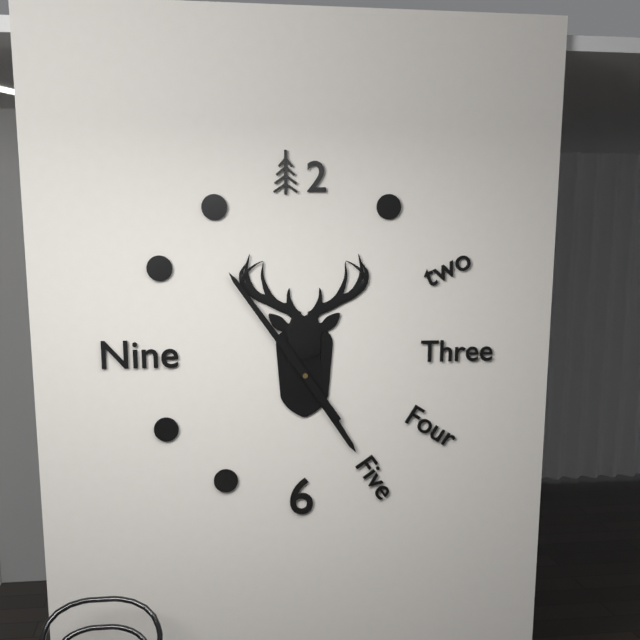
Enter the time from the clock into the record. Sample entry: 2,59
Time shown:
4,54
